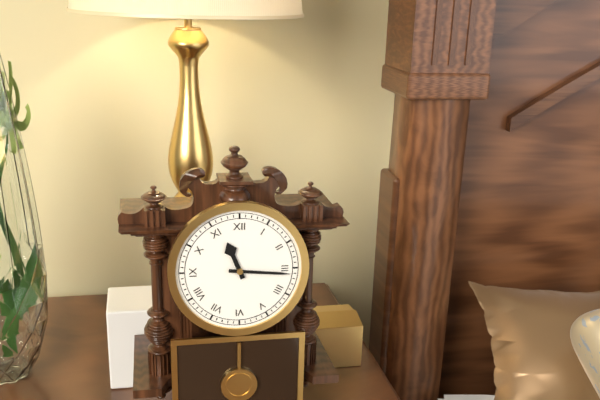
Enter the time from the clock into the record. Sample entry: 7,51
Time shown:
11,16
